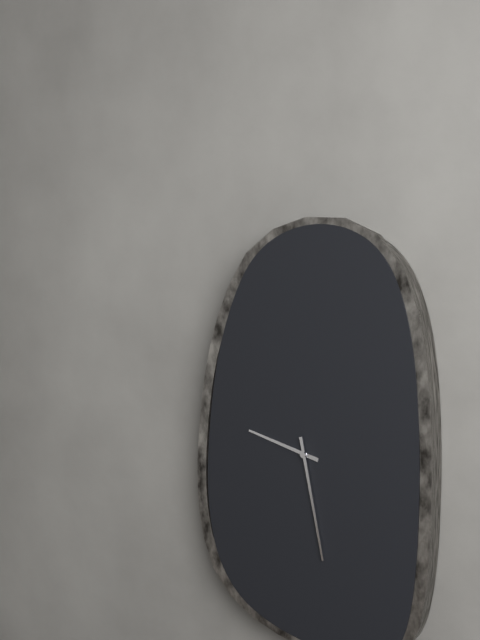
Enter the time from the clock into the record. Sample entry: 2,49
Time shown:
9,28
